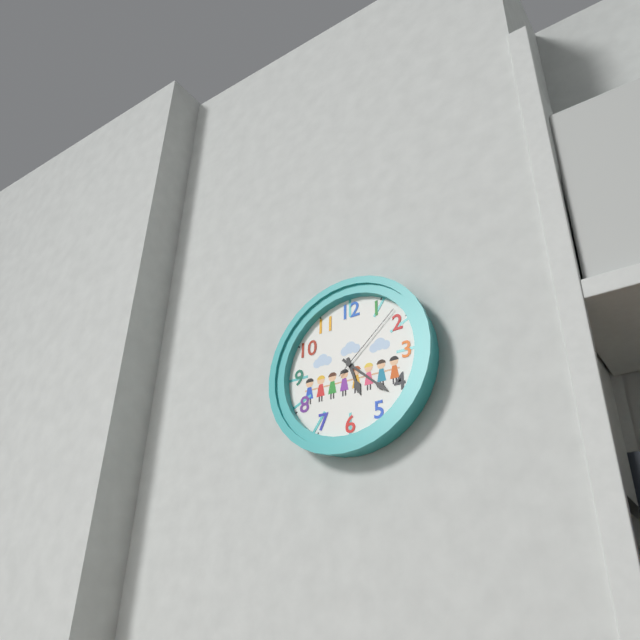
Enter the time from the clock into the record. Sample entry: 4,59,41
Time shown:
5,22,08
